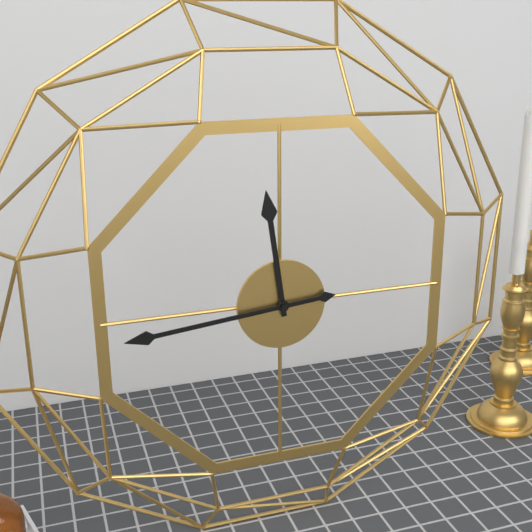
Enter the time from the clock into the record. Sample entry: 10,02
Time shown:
11,44
